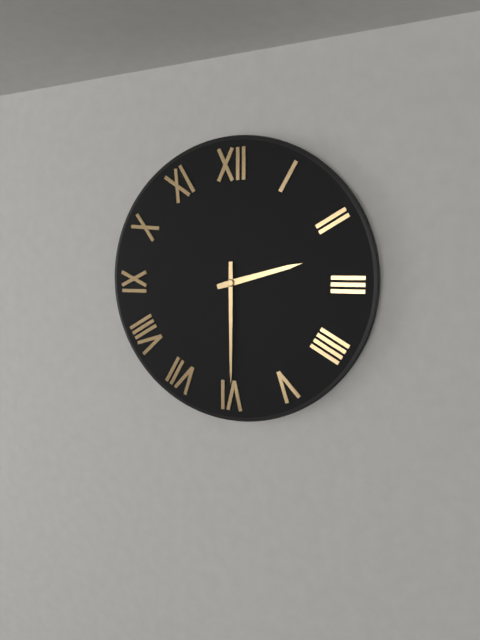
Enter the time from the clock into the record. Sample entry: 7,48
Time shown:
2,30
